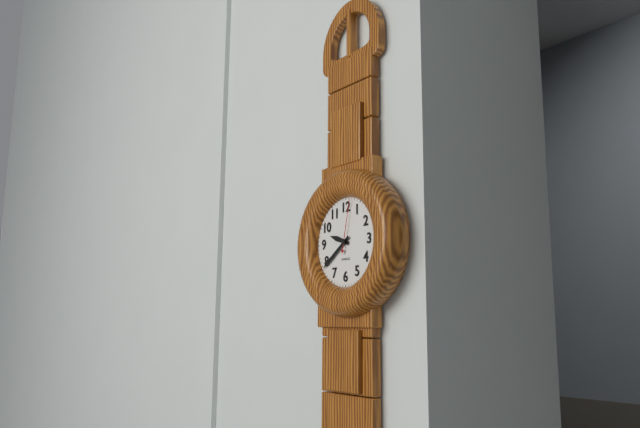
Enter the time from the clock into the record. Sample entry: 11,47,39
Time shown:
9,39,02
